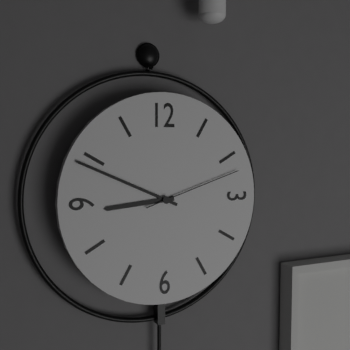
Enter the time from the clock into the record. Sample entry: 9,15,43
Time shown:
8,49,12
